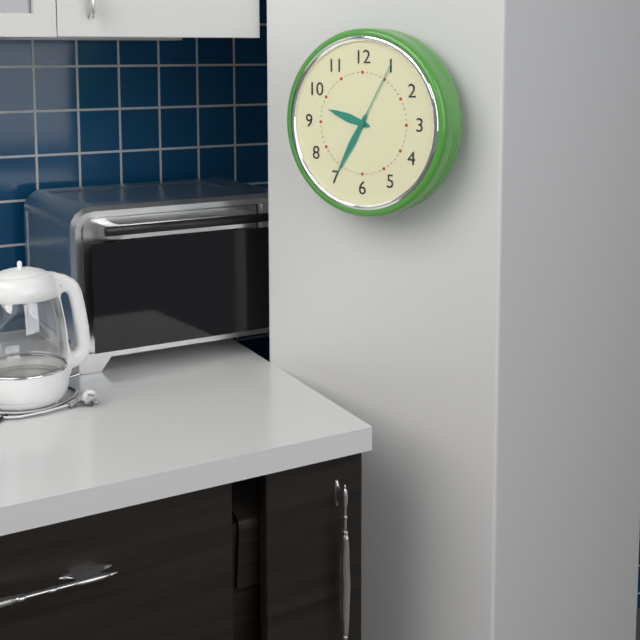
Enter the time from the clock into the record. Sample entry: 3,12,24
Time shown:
9,35,05
